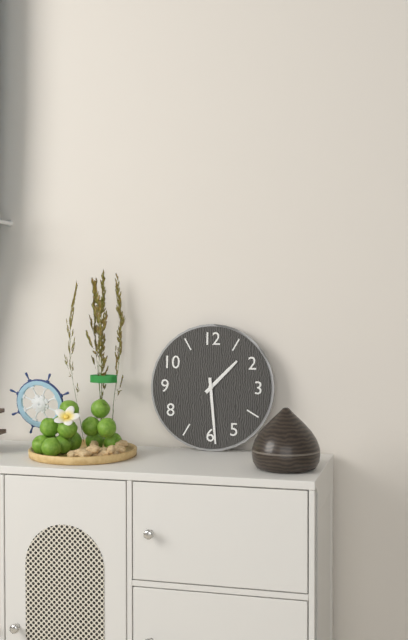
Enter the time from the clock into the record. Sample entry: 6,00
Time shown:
1,29
